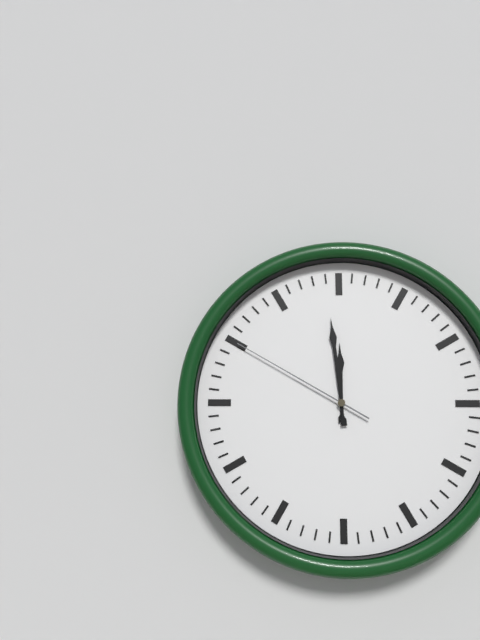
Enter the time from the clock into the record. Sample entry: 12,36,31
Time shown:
11,59,50
